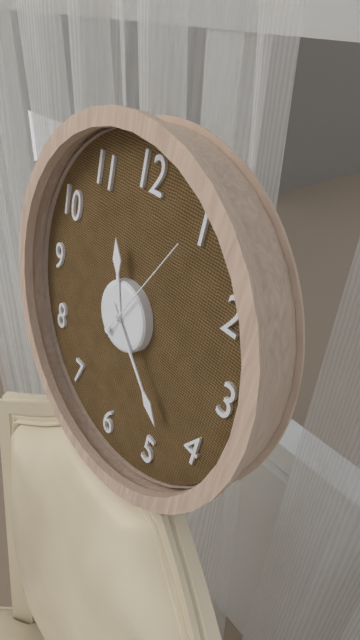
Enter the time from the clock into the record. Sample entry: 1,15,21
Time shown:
11,22,05
